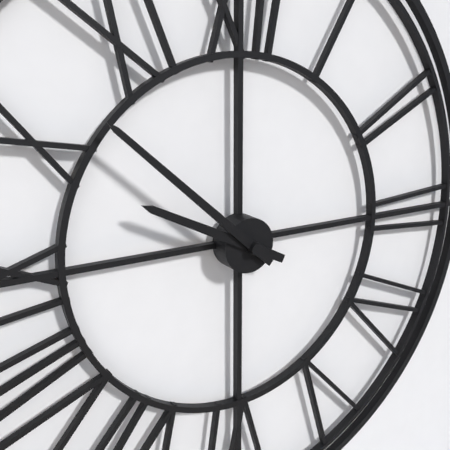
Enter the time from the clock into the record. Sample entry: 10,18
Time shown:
9,52
